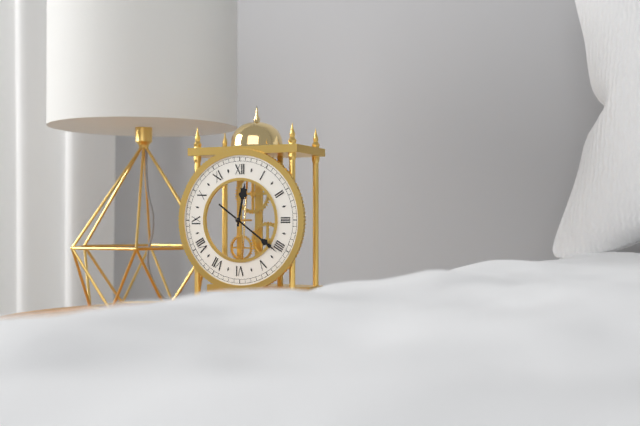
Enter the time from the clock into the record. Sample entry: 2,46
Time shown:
12,21
